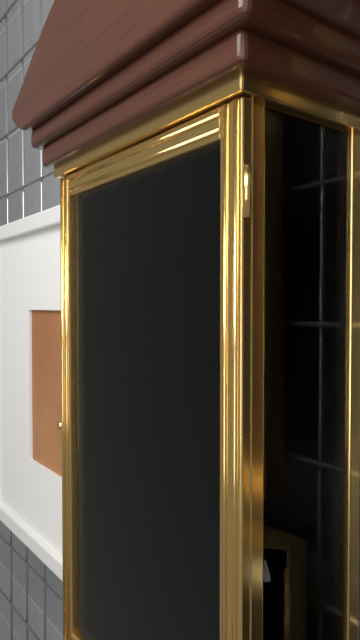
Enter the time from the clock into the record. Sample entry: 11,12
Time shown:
9,59
